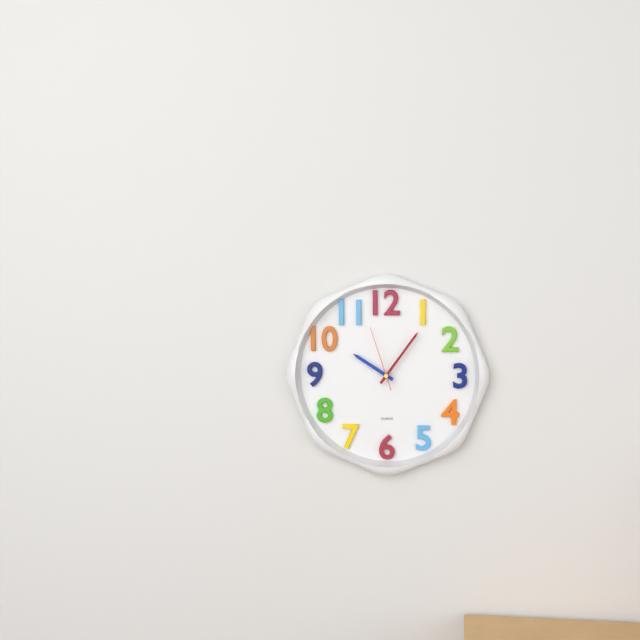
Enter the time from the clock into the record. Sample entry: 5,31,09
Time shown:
10,06,57
